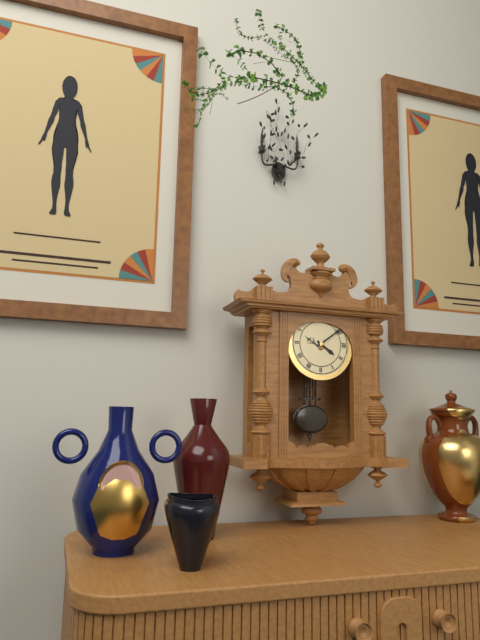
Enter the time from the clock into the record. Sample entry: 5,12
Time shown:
4,09
